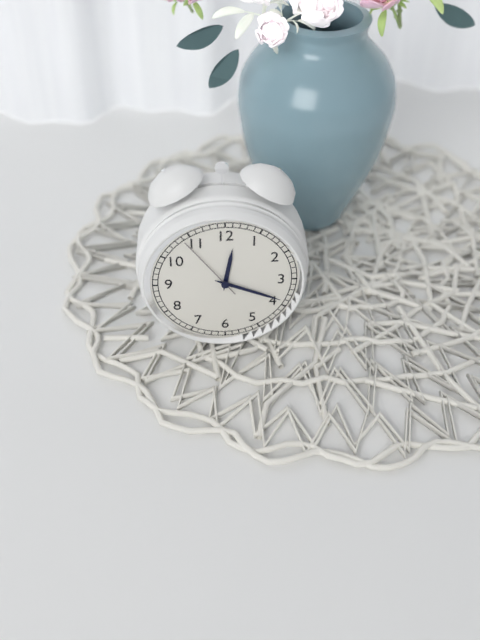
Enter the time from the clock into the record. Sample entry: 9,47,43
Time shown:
12,19,54
